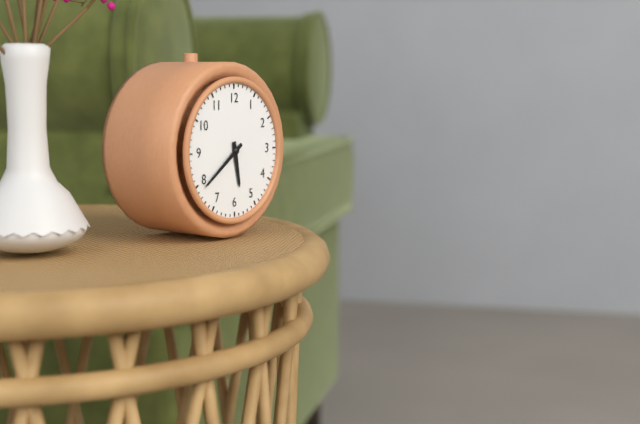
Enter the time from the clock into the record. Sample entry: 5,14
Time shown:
5,39
